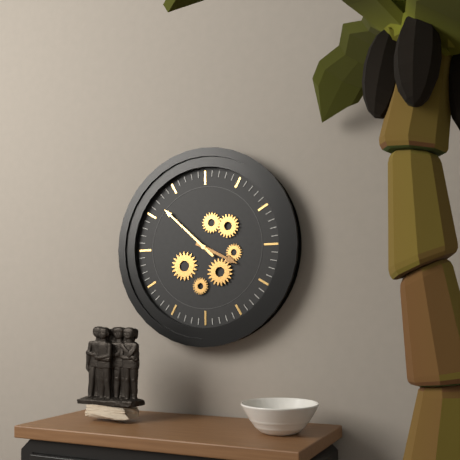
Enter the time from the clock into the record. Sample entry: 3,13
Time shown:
3,52
